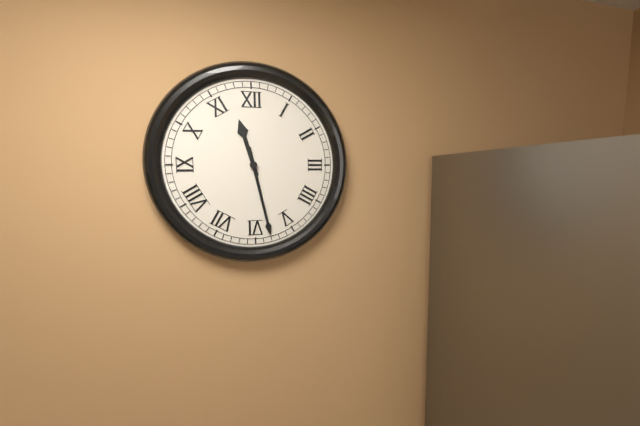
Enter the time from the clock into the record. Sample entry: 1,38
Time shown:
11,28
